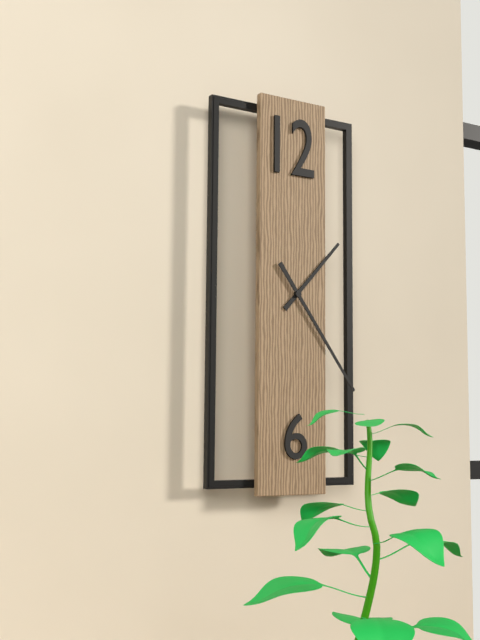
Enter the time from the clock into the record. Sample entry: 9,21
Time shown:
1,24
